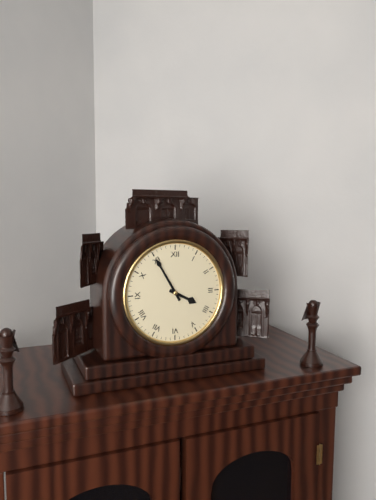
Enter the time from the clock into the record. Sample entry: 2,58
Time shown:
3,55
